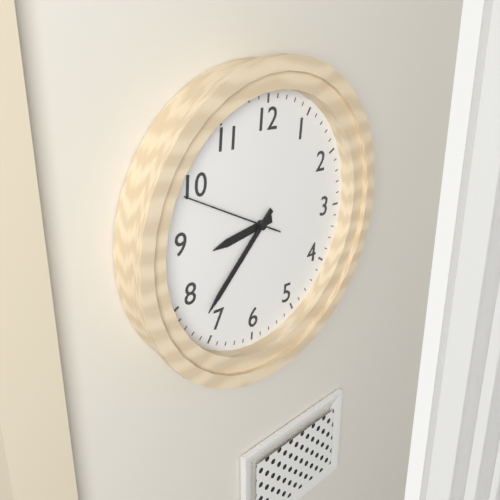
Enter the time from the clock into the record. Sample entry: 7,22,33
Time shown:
8,37,49
